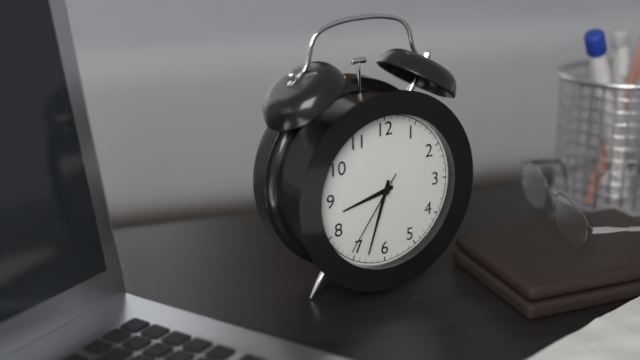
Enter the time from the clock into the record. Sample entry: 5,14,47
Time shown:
8,33,36
